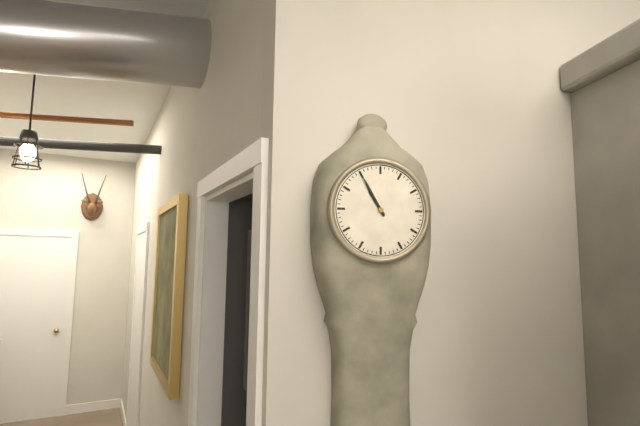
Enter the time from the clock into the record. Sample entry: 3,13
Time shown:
10,55
